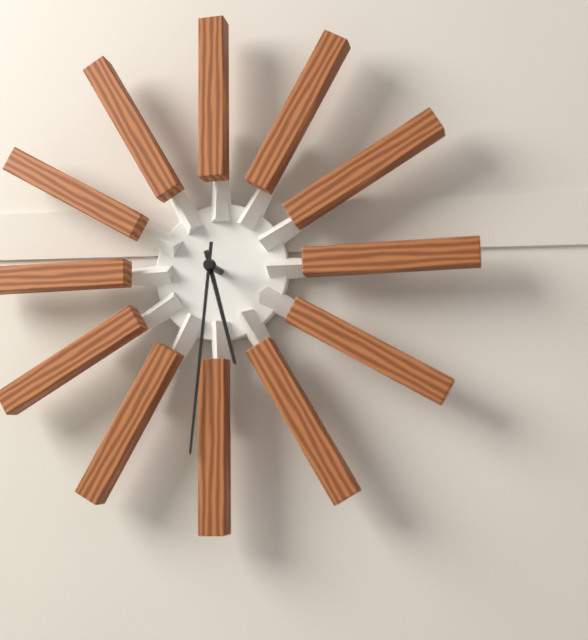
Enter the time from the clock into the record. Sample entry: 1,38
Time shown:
5,31
